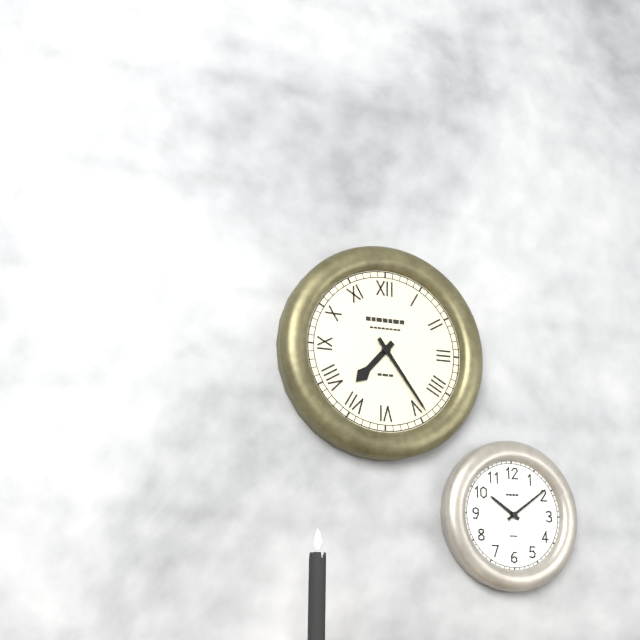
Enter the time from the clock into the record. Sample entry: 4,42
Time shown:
7,24
